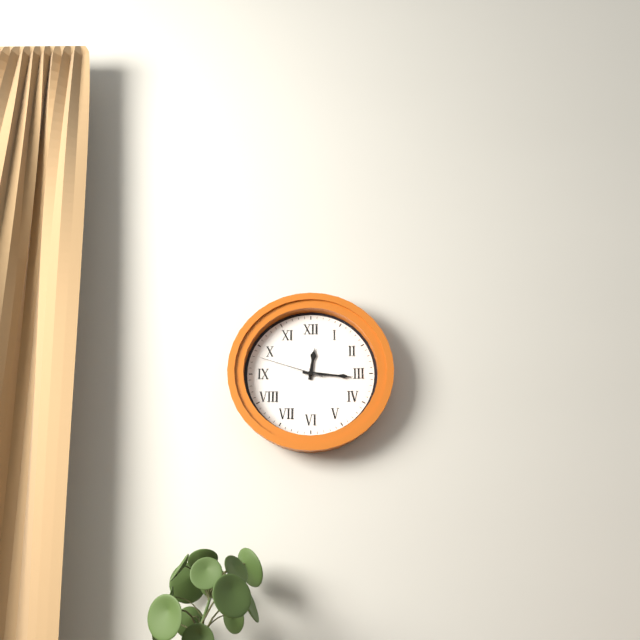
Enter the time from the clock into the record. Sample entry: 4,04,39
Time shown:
12,16,48
